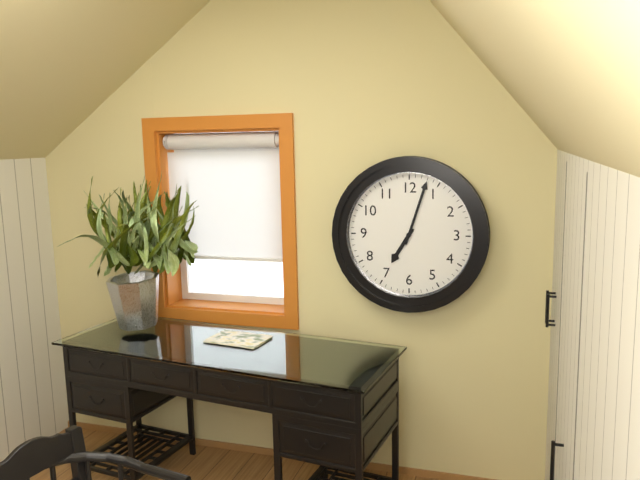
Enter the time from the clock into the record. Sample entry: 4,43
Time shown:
7,03
